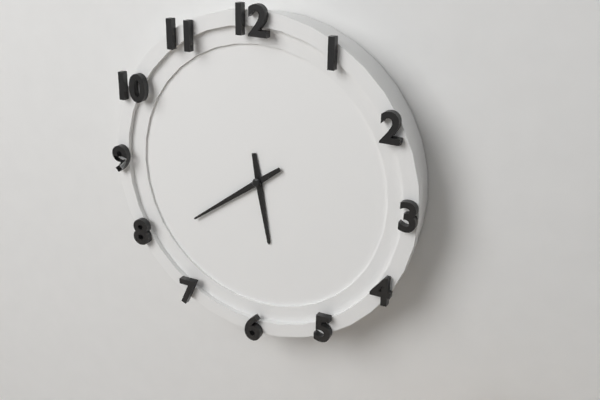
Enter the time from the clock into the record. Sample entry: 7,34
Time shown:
5,39
